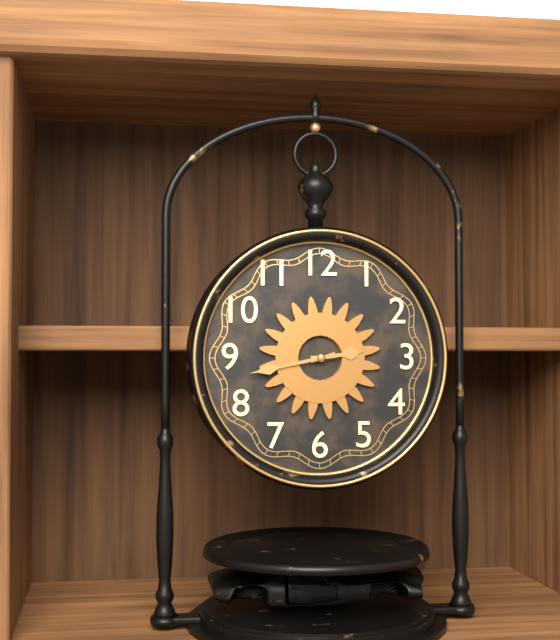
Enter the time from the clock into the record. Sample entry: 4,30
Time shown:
2,43
